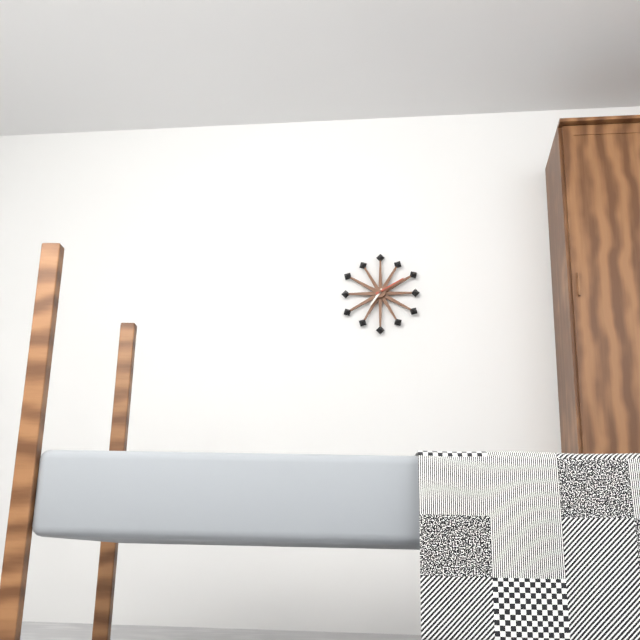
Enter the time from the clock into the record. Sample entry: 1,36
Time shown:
7,10
